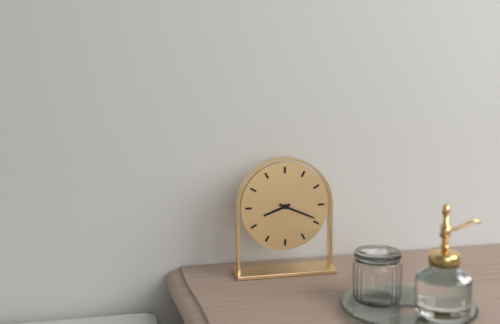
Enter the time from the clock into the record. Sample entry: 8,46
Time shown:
8,19
